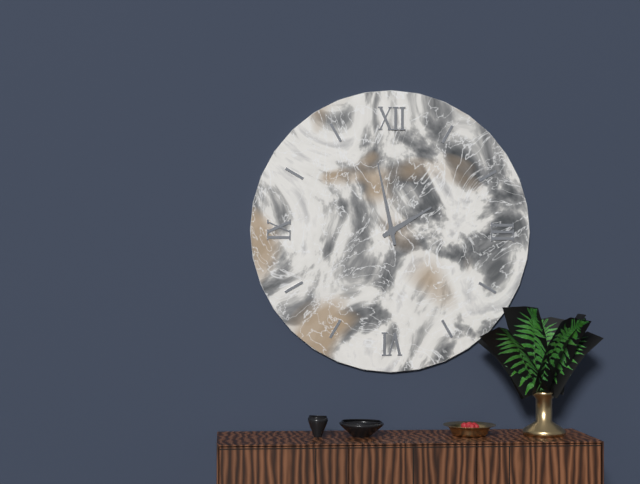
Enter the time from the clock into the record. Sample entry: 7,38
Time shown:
1,58
